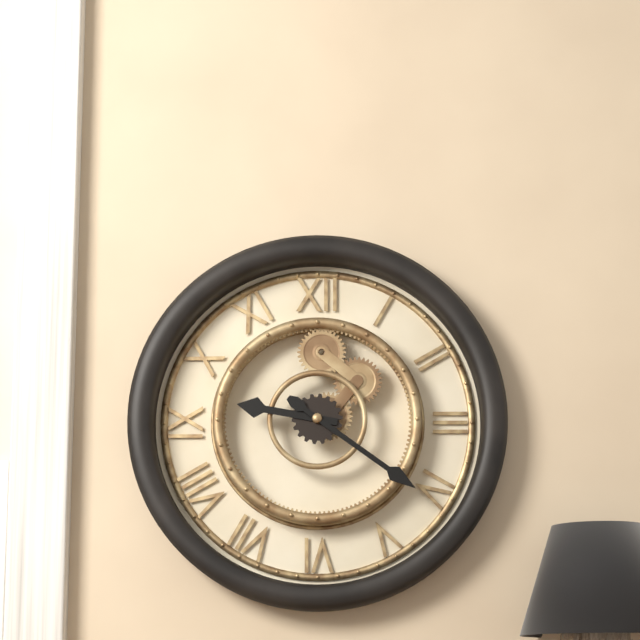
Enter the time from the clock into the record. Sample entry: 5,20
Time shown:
9,21
